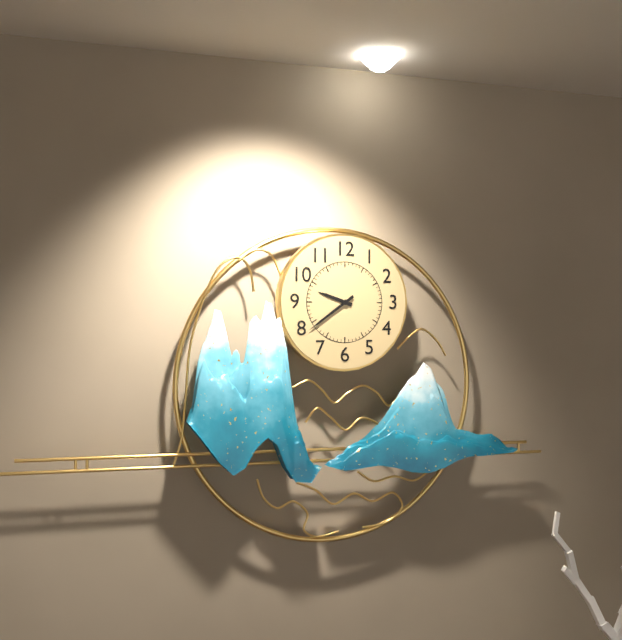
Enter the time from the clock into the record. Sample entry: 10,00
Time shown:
9,39
